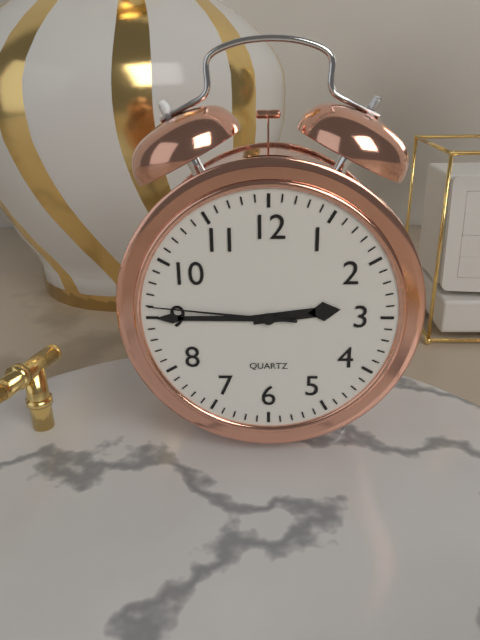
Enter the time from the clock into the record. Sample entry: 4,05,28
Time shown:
2,45,46
